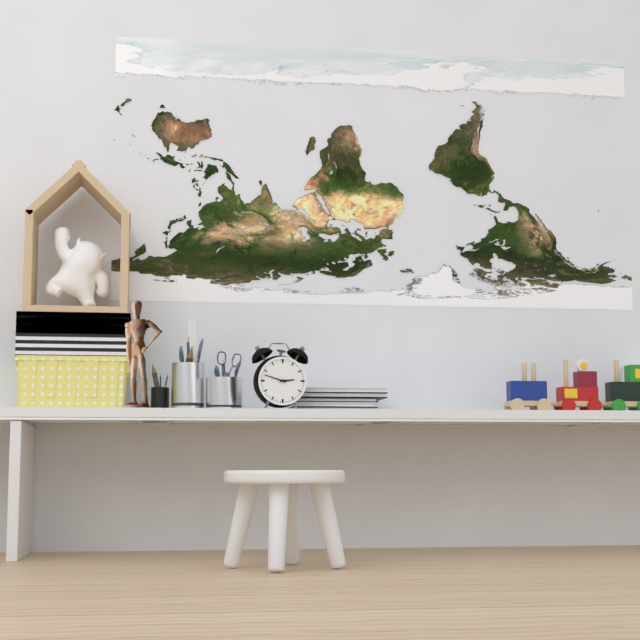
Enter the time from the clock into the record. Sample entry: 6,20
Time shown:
2,48
